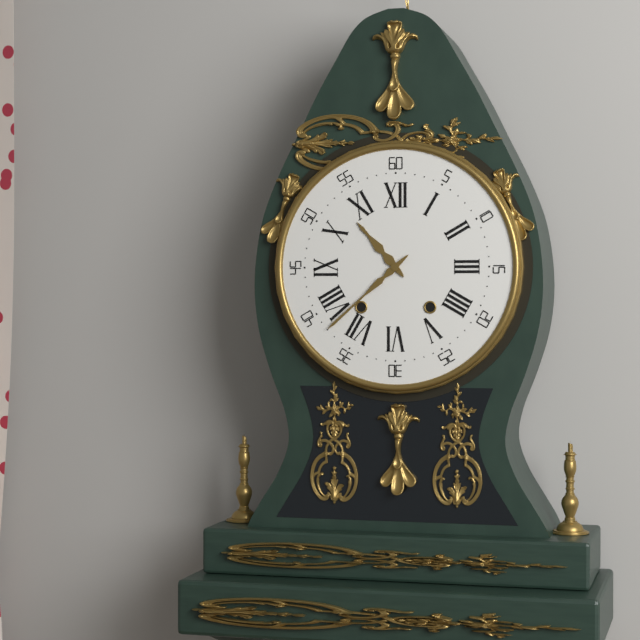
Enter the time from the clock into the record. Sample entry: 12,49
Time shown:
10,38
